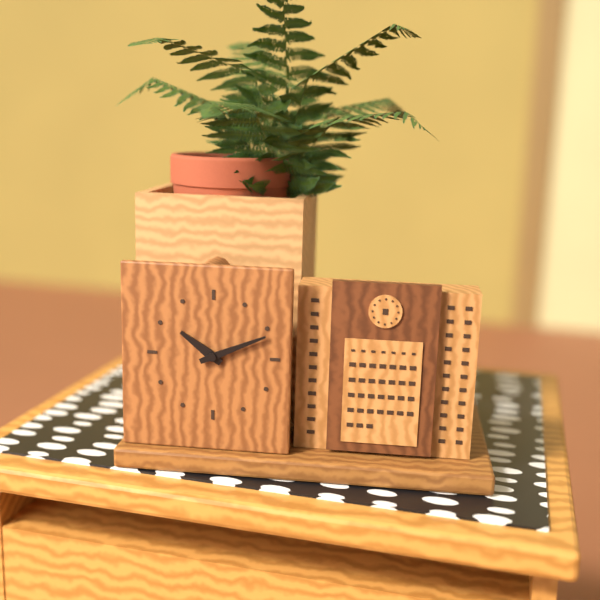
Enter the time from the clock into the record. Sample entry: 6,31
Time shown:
10,11
